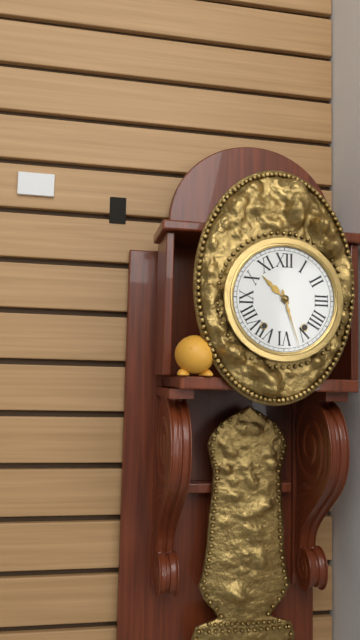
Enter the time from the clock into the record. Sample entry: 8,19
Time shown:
10,27
